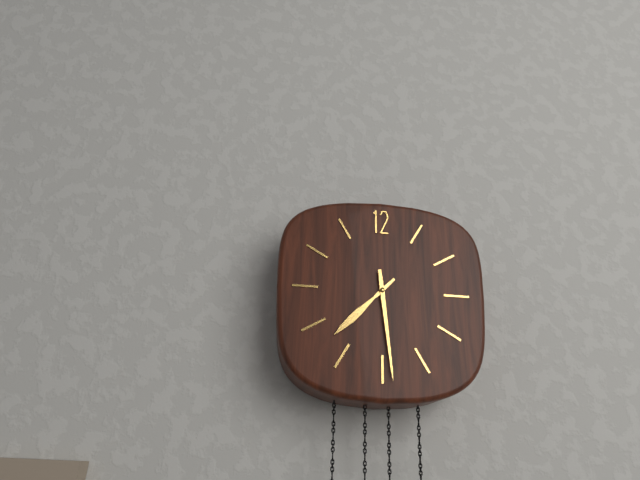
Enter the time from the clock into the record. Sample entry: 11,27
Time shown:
7,29
